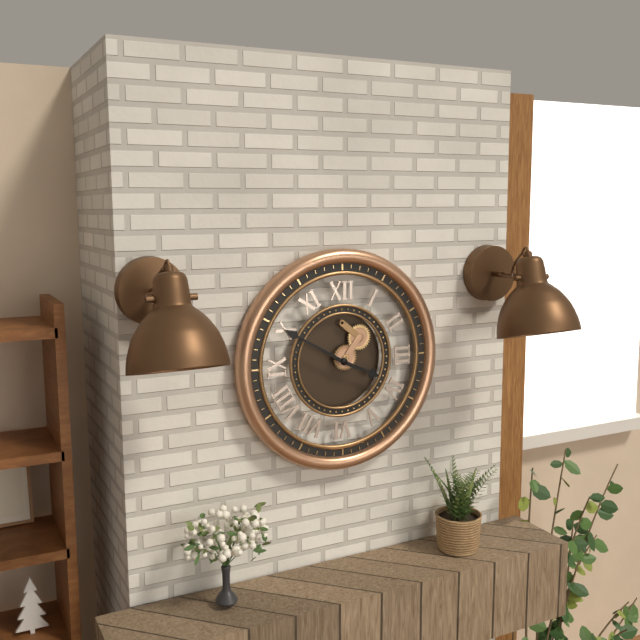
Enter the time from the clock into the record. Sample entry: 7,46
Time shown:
3,50
